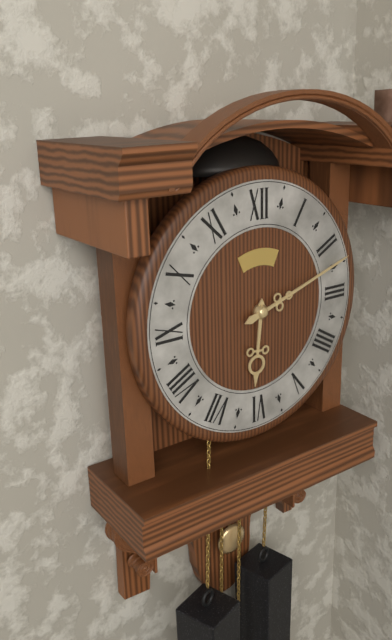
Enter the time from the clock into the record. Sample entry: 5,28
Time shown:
6,12
